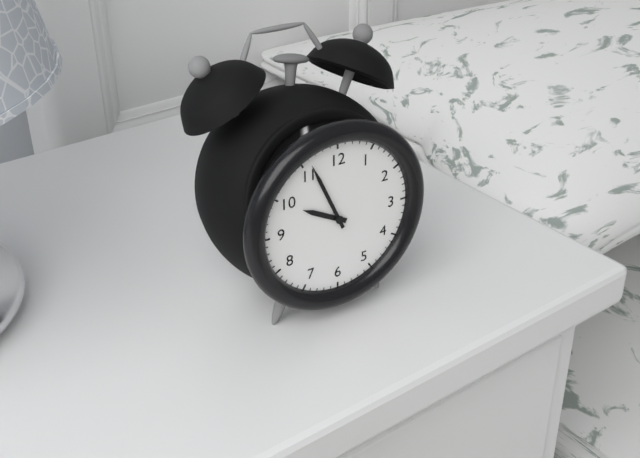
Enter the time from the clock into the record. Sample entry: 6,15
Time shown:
9,56
